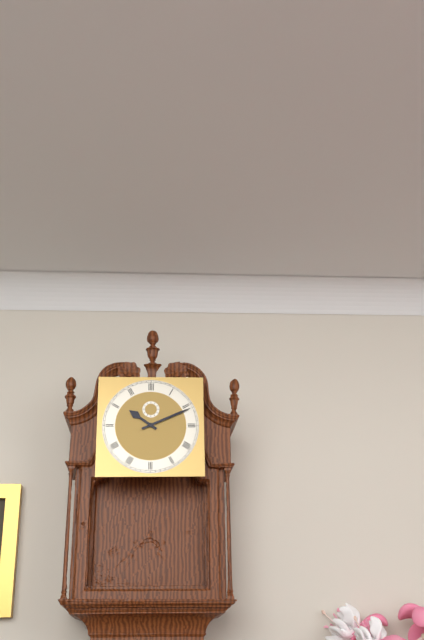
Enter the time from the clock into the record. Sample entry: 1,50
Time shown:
10,11
